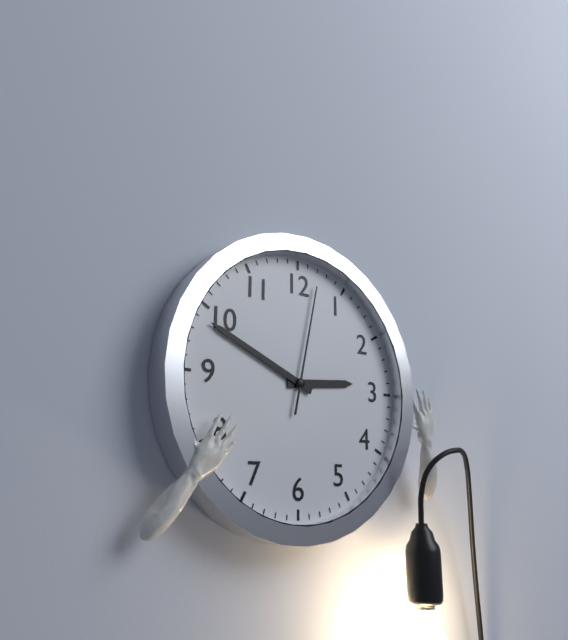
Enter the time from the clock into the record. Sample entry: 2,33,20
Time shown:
2,49,02
